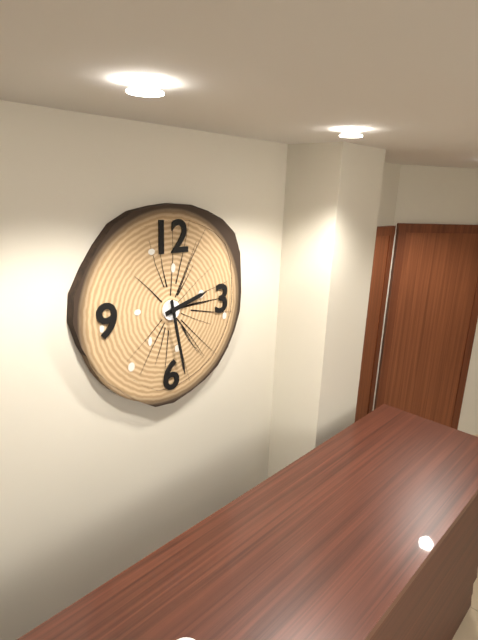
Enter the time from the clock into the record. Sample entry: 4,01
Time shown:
2,28
